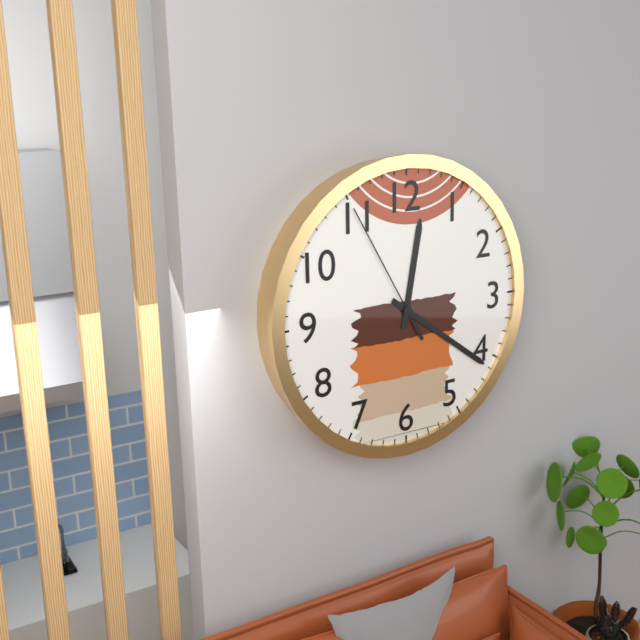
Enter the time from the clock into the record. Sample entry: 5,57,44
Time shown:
12,21,55
